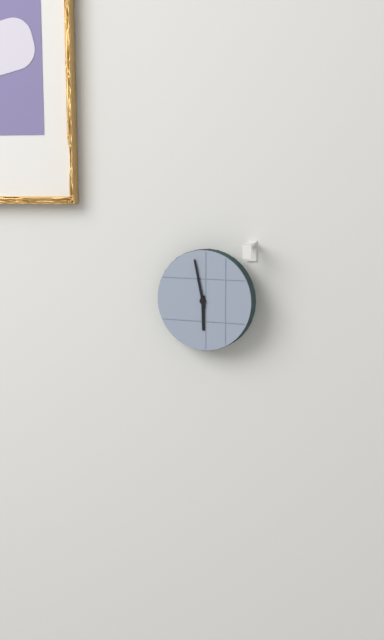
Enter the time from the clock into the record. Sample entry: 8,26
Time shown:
5,58
